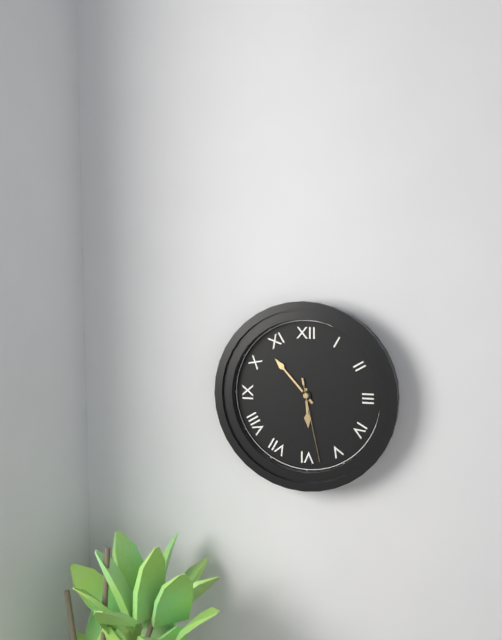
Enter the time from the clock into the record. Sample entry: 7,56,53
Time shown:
5,53,28
